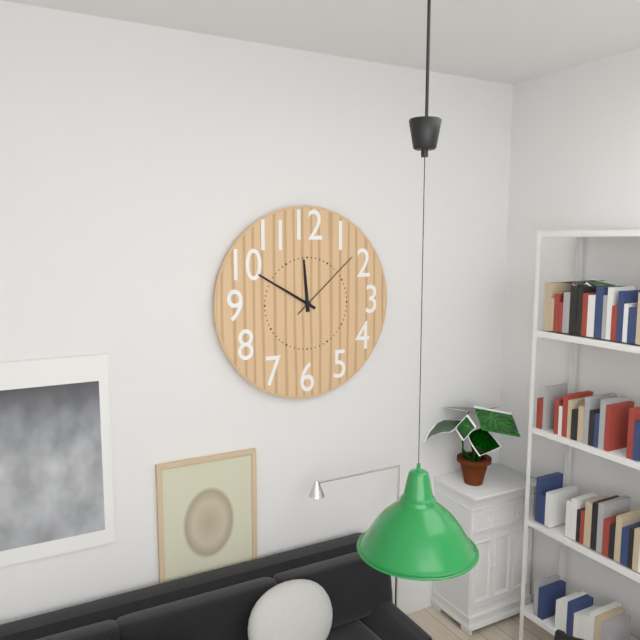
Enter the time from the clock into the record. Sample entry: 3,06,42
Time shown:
11,50,08
